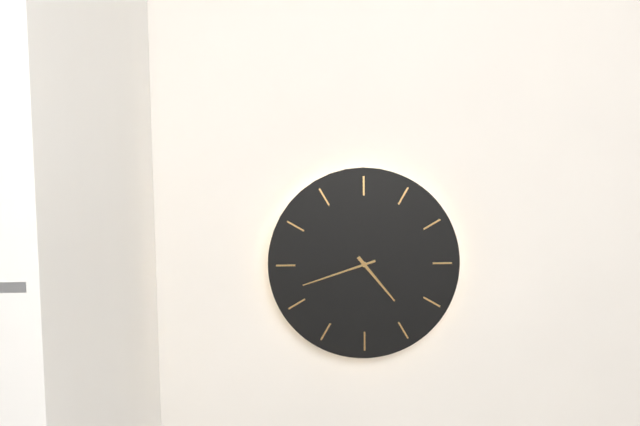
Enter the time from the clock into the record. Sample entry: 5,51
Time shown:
4,42
